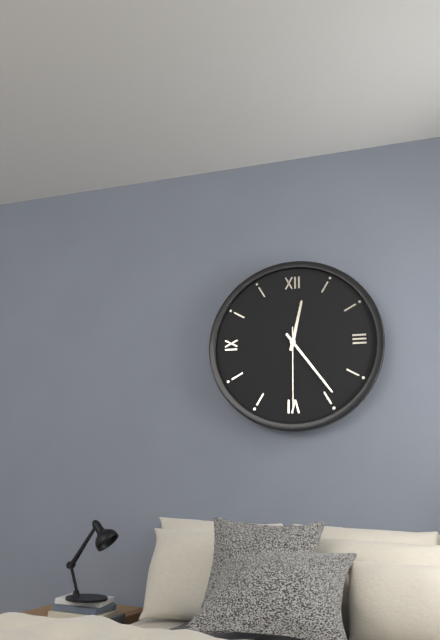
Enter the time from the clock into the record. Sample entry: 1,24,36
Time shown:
12,24,30
